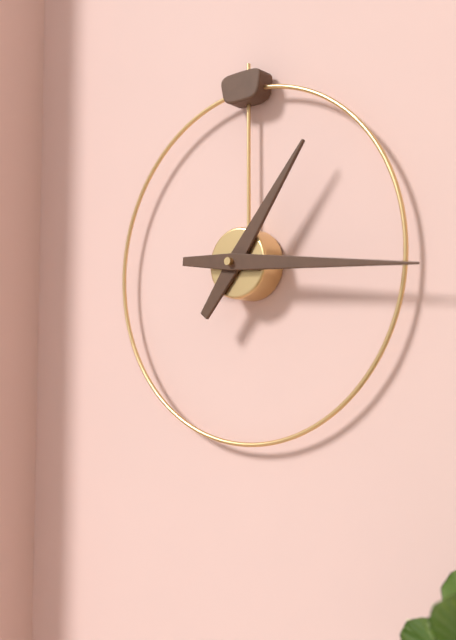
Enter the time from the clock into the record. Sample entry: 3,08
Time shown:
1,16
